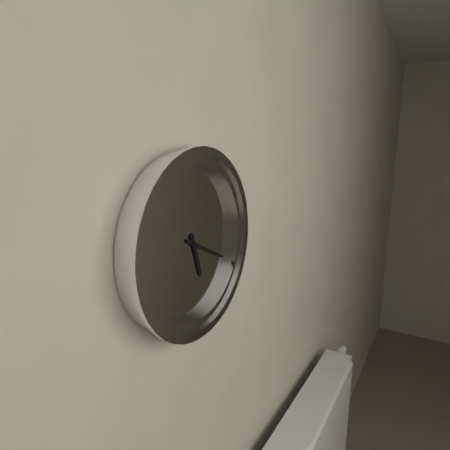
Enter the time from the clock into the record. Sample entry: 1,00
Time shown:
5,19
